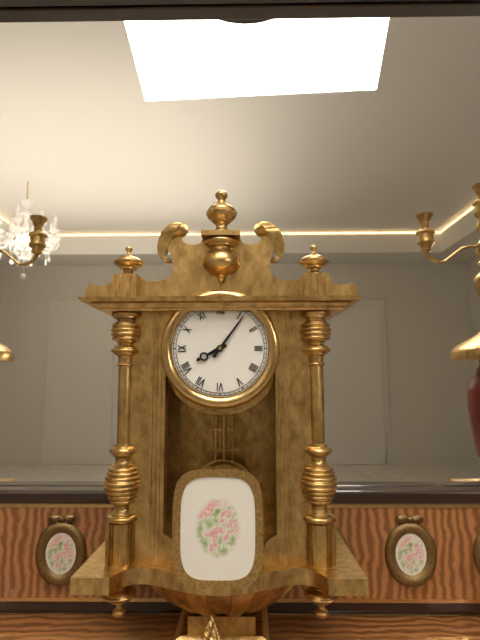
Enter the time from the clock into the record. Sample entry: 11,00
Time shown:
8,06
